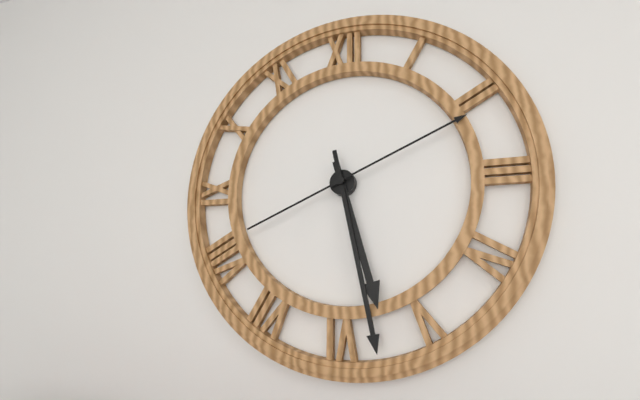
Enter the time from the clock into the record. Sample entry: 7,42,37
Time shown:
5,28,11
